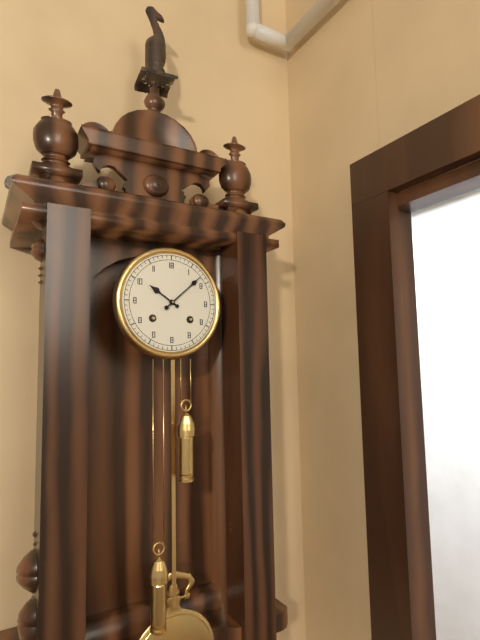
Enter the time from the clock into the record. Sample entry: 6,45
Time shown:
10,08
